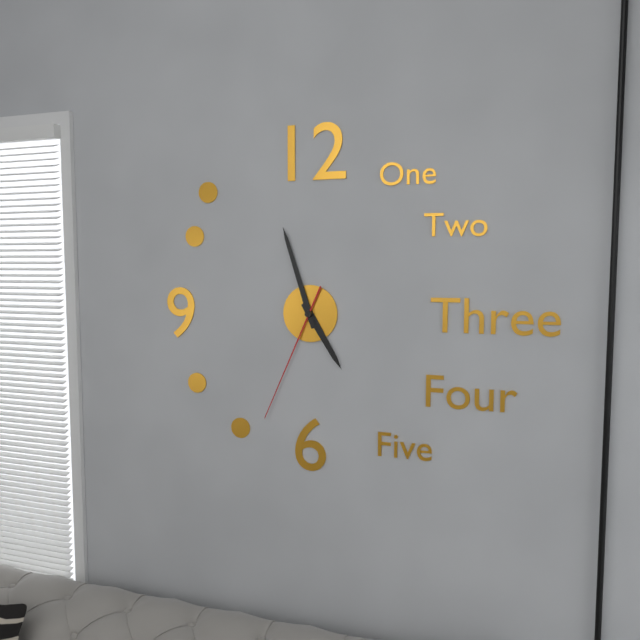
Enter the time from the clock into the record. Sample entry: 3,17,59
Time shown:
4,57,34
